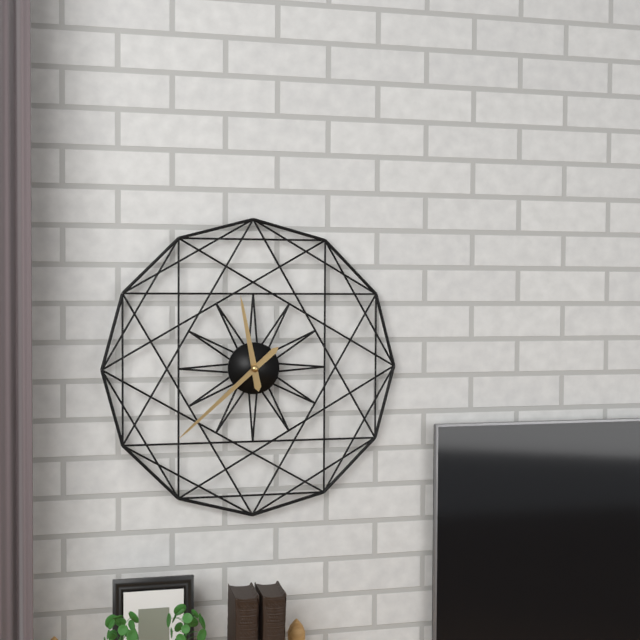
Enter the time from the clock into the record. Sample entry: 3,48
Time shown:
11,38
